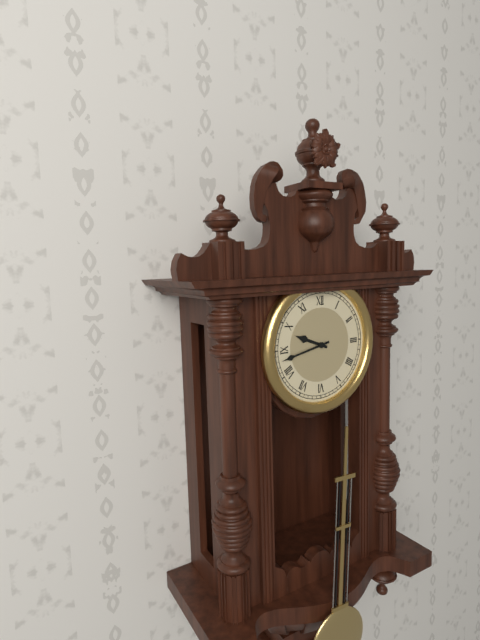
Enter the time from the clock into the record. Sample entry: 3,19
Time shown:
9,43
